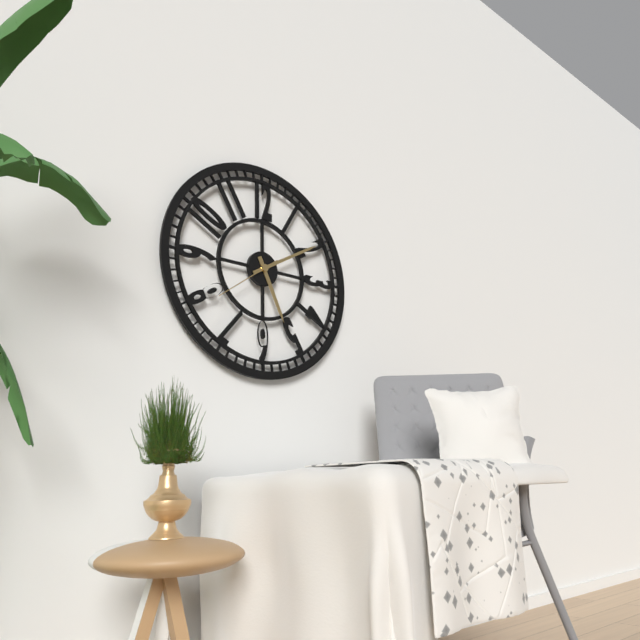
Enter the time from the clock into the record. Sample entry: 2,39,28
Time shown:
5,10,39
